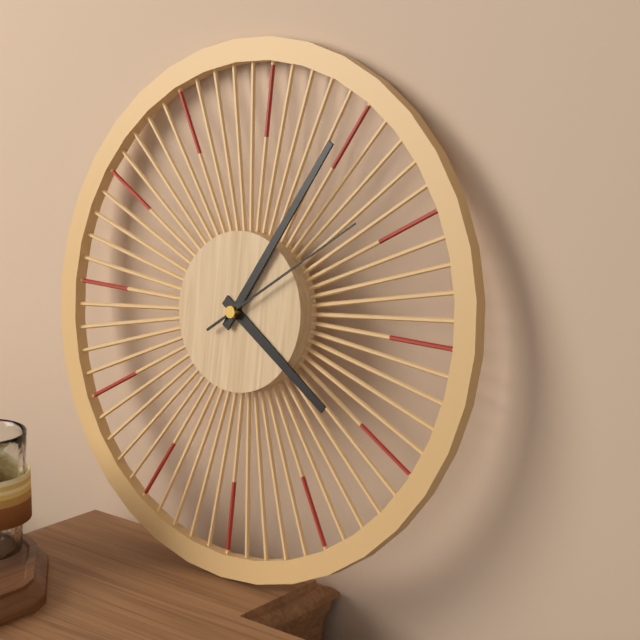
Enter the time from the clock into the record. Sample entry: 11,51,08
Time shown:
4,05,09
